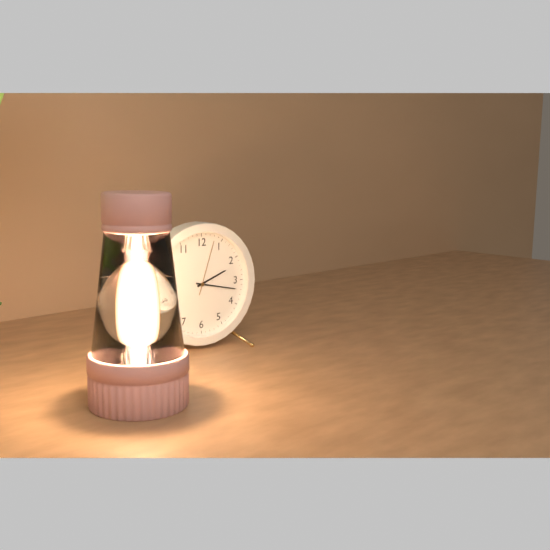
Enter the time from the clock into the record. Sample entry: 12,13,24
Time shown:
2,17,03
